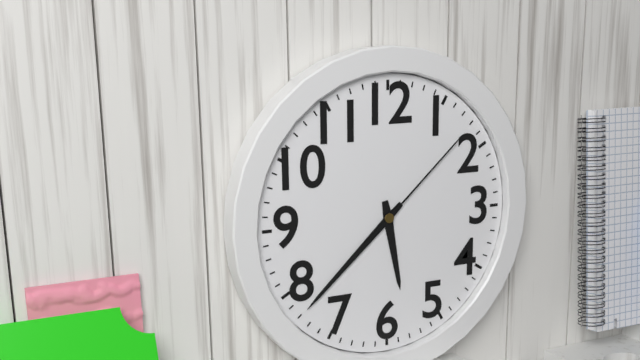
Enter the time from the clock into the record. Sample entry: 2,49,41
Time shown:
5,38,08
